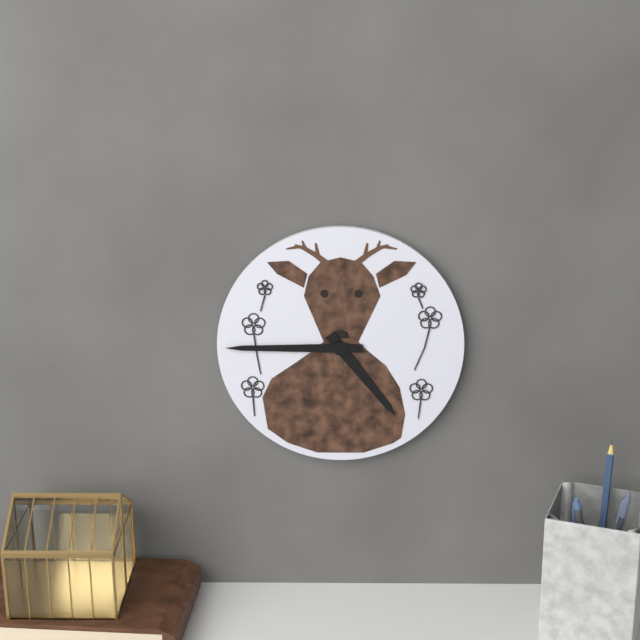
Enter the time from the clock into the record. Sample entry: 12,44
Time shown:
4,45
